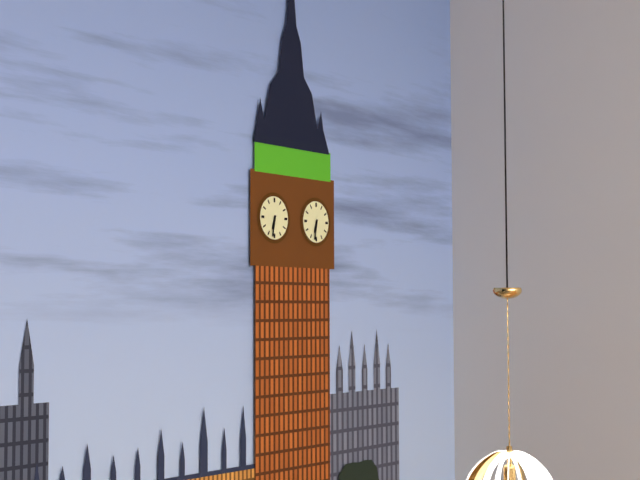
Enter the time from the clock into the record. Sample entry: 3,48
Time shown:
6,32
